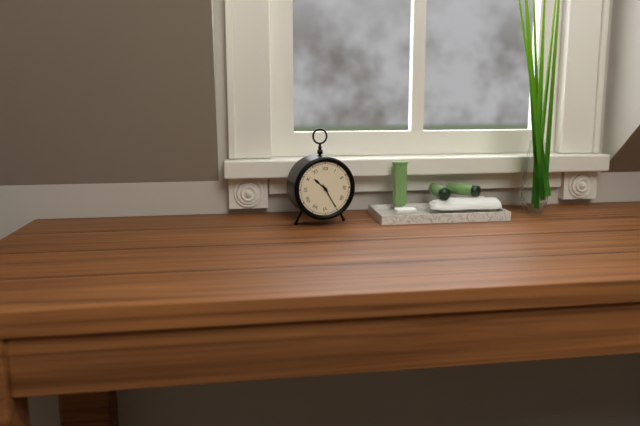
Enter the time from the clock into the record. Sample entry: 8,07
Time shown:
10,25
